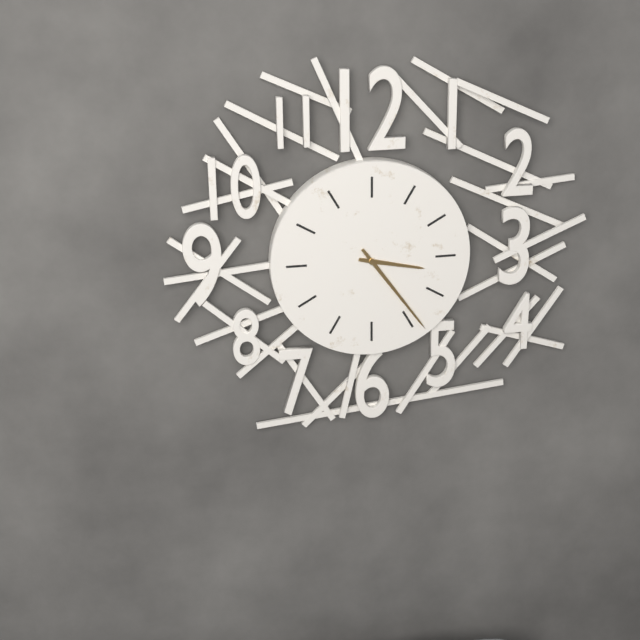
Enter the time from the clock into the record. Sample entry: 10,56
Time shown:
3,24
